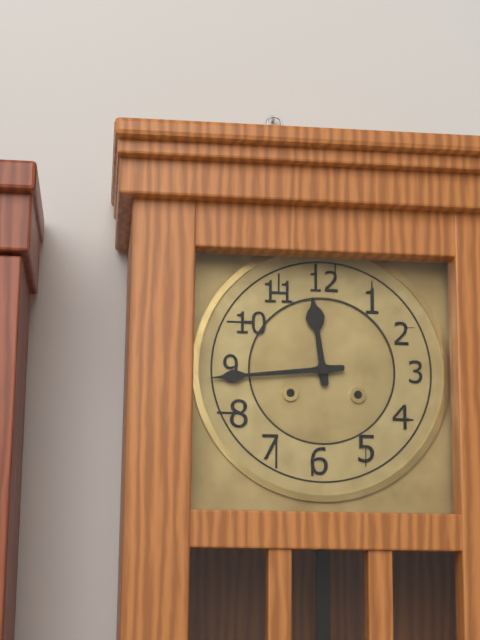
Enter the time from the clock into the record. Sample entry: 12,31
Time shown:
11,44
